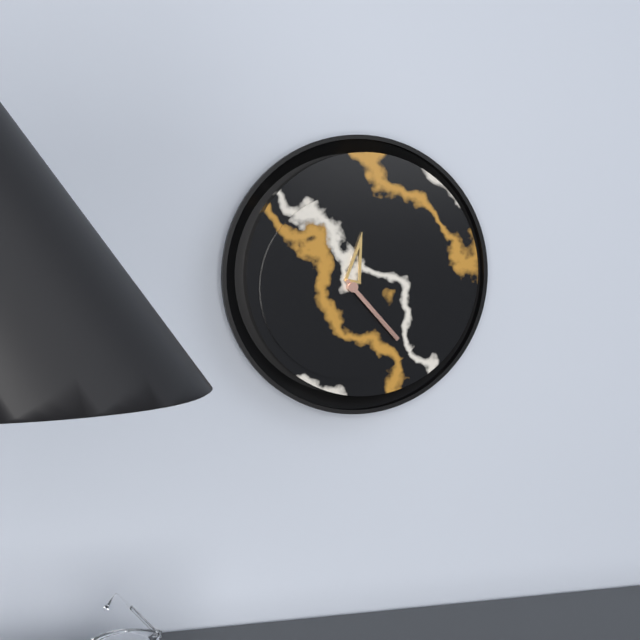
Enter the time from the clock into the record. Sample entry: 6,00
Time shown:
12,23
